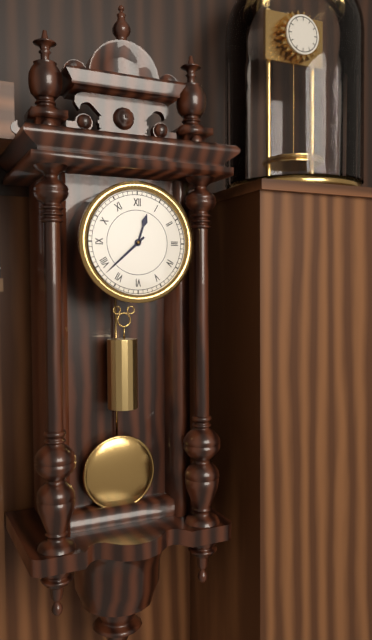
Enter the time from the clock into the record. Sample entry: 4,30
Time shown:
12,38
